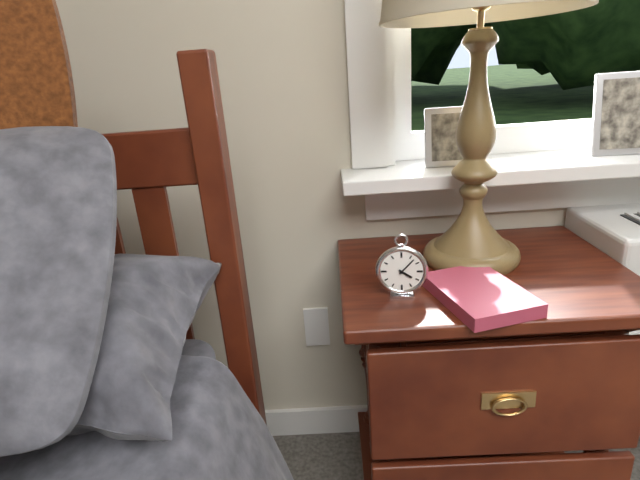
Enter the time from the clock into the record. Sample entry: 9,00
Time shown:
4,07
